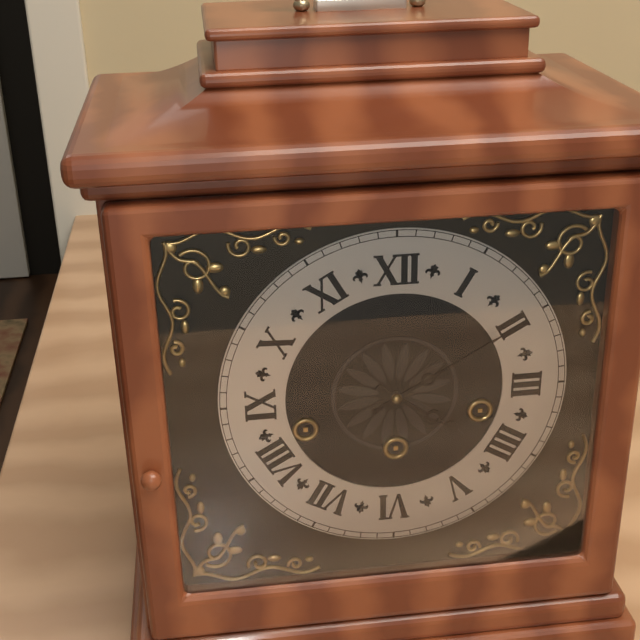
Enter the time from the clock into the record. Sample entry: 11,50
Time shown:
4,10
